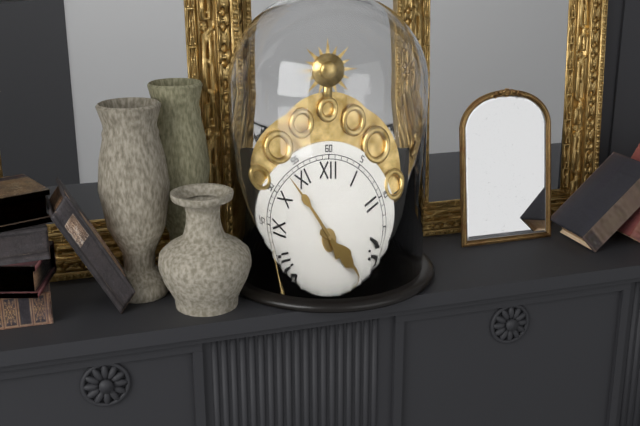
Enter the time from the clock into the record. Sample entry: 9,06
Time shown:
3,53
